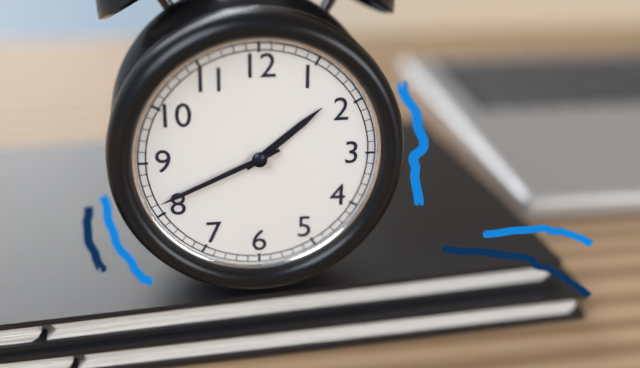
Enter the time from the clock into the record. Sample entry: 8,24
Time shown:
1,41
